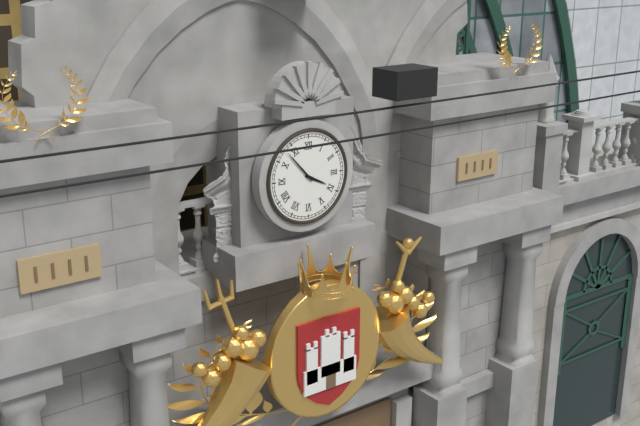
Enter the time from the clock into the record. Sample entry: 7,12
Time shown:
3,53
